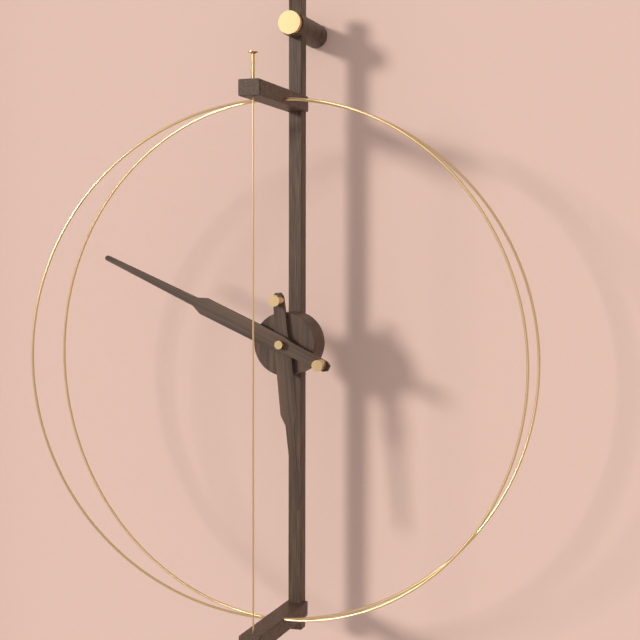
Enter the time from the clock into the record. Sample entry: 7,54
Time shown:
5,49
